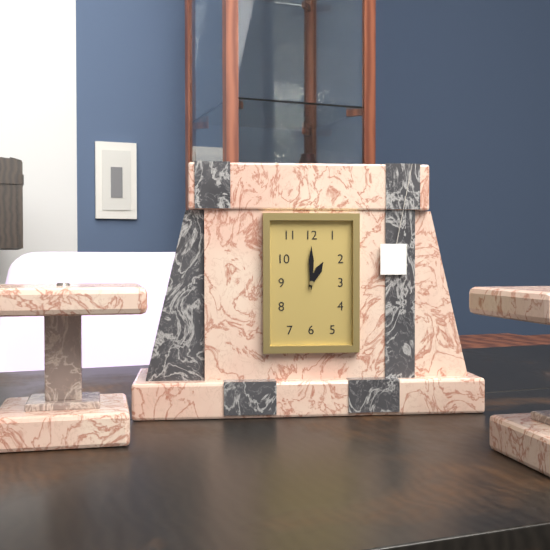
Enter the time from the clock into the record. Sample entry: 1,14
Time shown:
1,00
